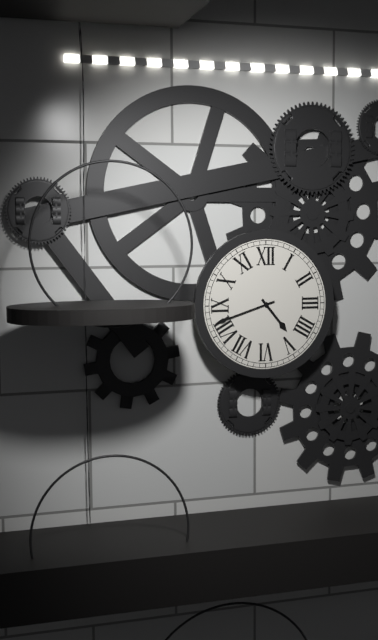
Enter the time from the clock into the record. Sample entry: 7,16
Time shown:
4,42
